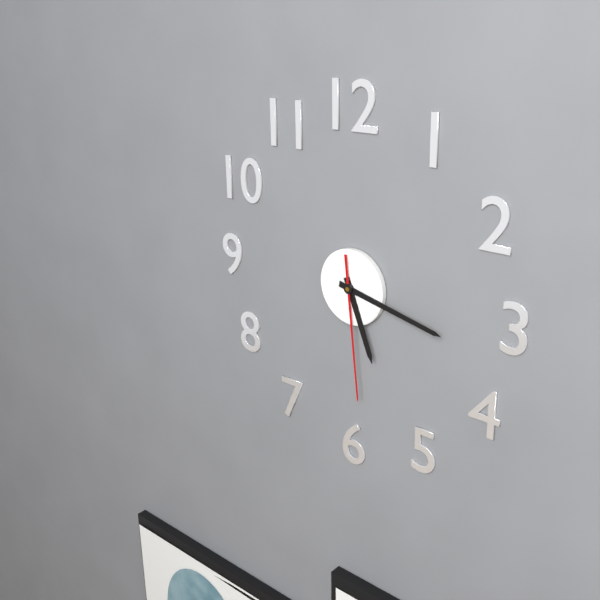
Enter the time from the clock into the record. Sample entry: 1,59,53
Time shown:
5,17,29
